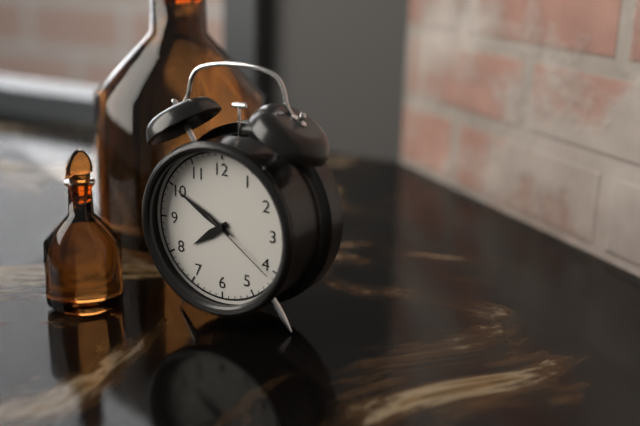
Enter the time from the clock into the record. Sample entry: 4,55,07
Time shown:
7,50,21
